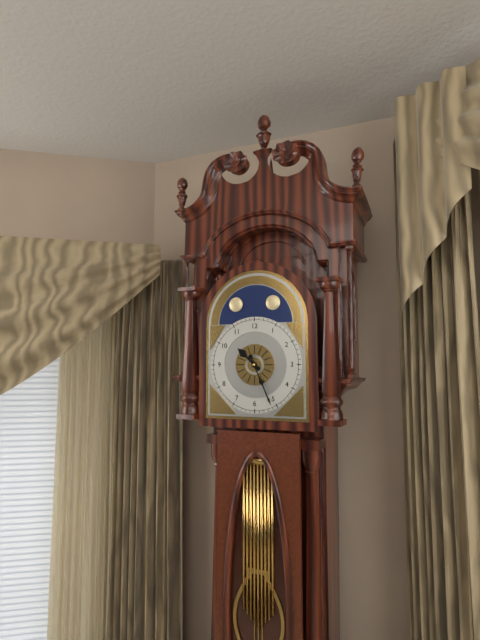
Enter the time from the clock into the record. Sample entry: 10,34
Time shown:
10,26
